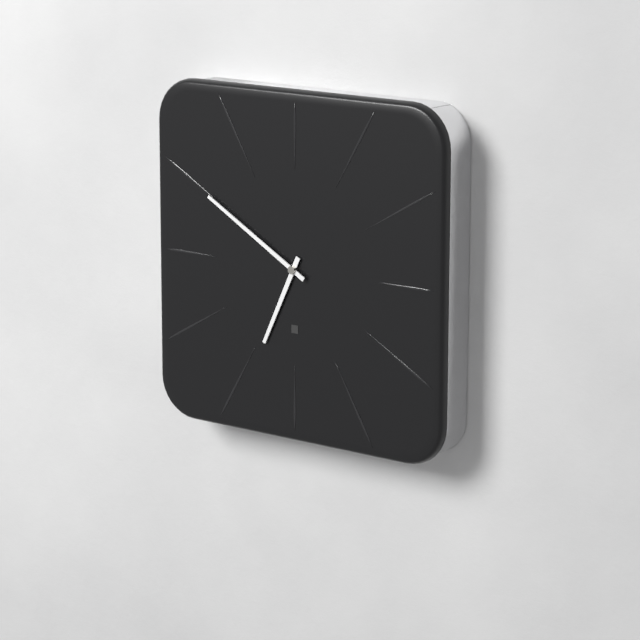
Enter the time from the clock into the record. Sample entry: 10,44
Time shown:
6,50
